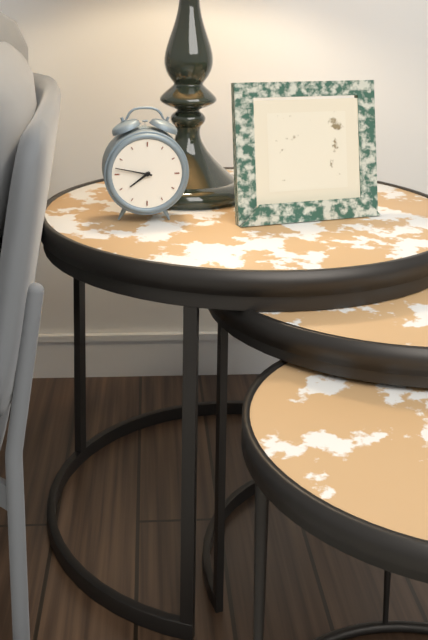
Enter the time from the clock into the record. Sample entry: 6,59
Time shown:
7,47
